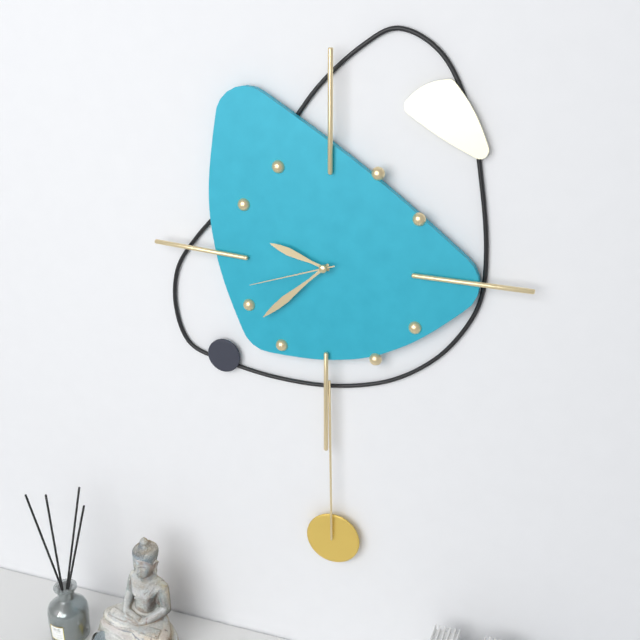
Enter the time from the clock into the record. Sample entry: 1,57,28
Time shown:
9,38,42
